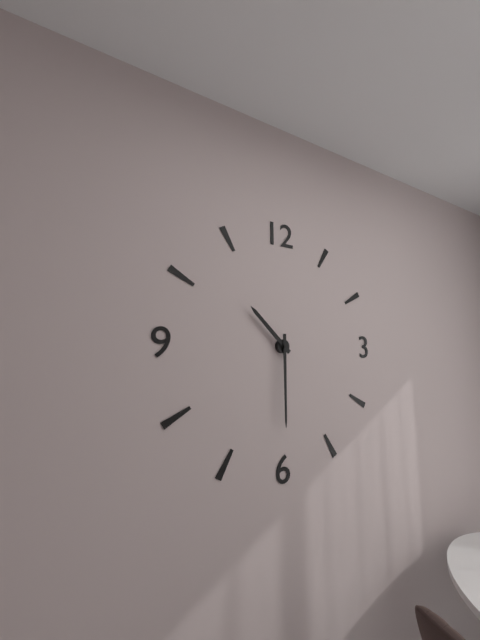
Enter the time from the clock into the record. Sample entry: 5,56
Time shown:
10,30
